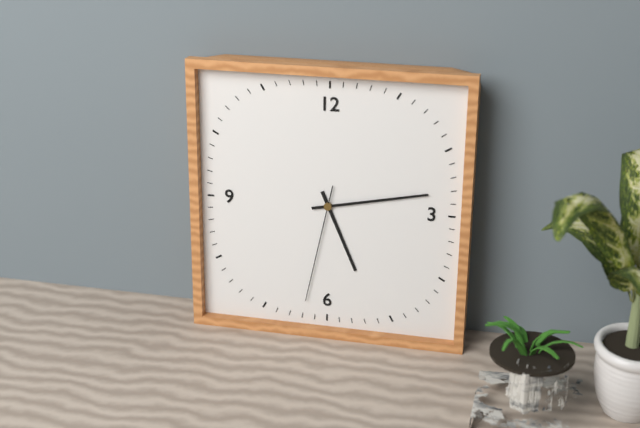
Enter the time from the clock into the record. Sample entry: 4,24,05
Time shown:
5,13,32
